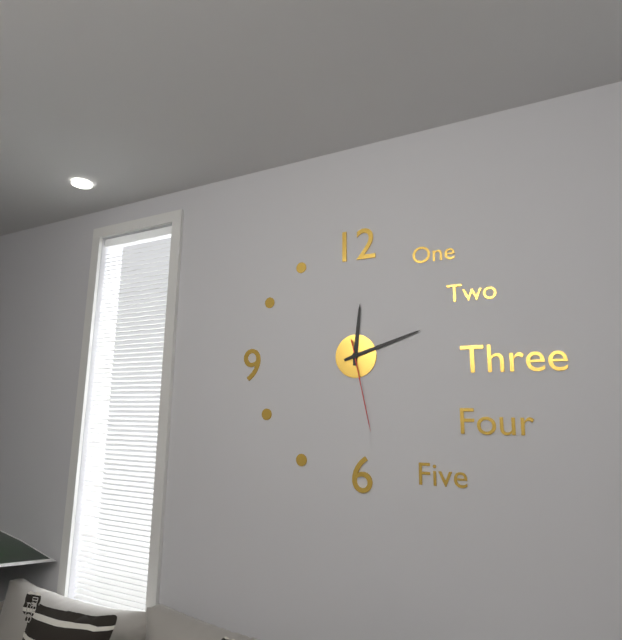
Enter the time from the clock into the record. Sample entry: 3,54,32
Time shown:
12,12,28
